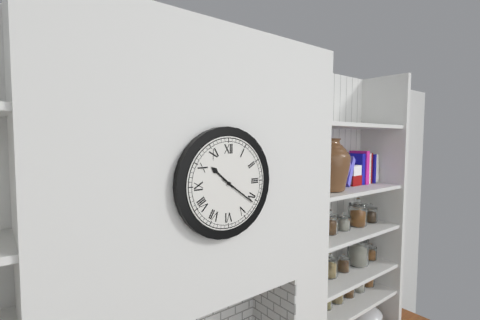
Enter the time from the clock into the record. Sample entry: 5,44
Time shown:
10,21
